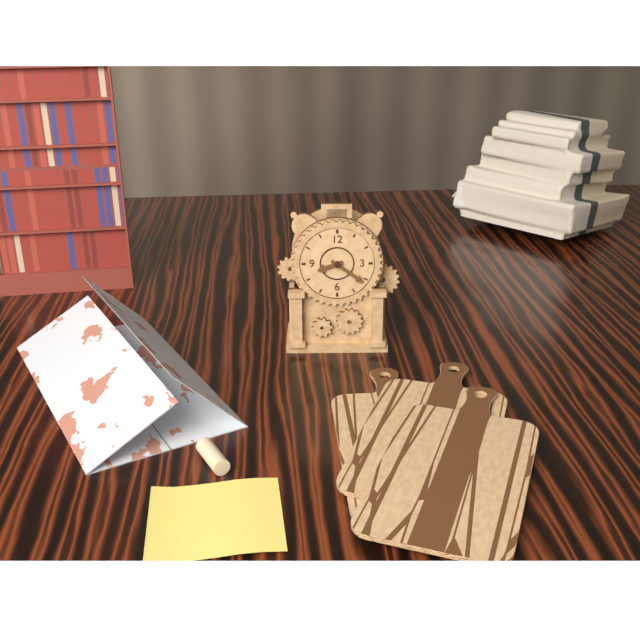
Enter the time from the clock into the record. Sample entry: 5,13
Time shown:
8,21
